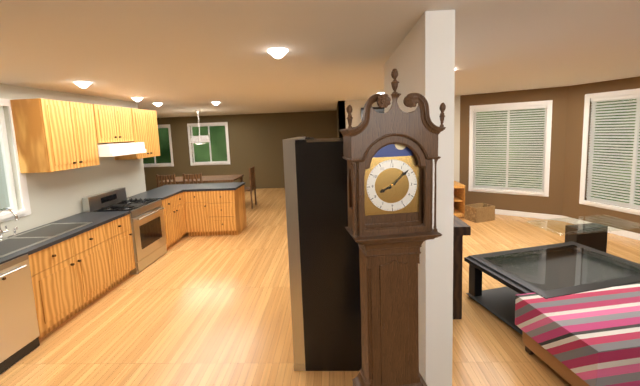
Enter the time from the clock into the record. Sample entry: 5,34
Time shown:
8,08
